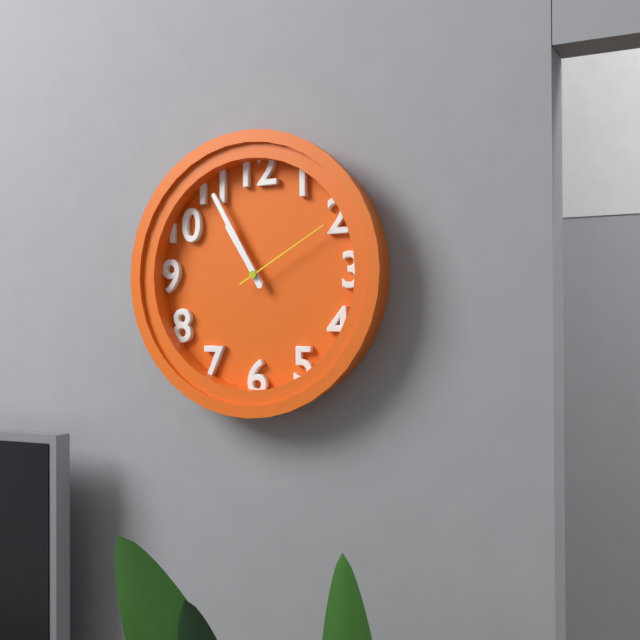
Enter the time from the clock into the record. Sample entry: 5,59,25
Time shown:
10,55,10
